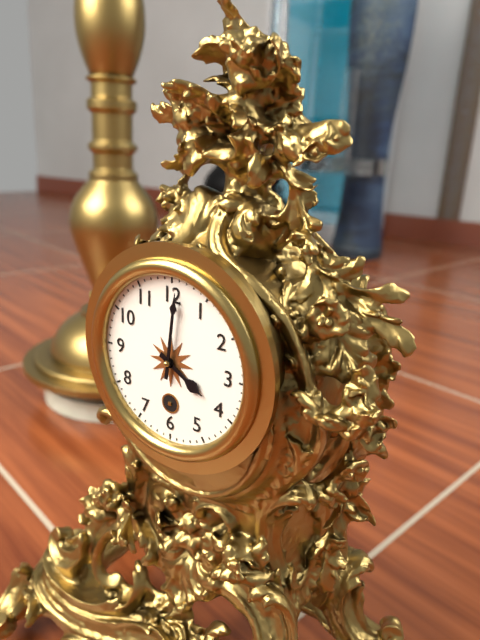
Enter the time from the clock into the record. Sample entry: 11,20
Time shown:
4,01
